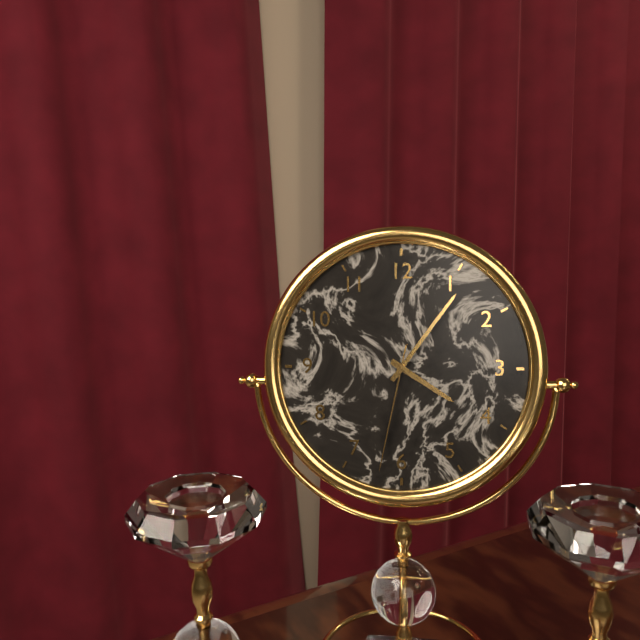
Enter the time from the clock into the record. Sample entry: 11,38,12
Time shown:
4,06,32
